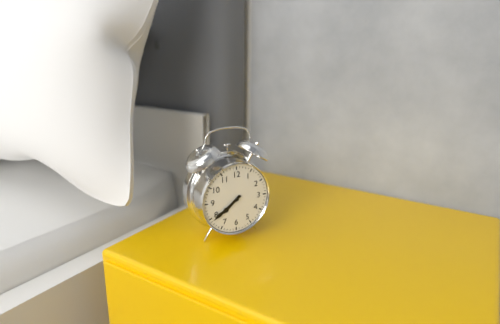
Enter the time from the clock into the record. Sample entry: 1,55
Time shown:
7,39
